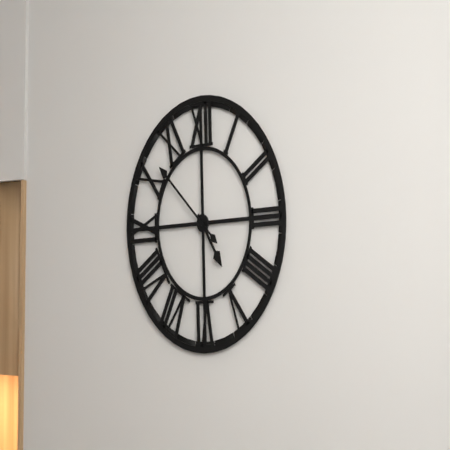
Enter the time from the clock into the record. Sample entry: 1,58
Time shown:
4,52
